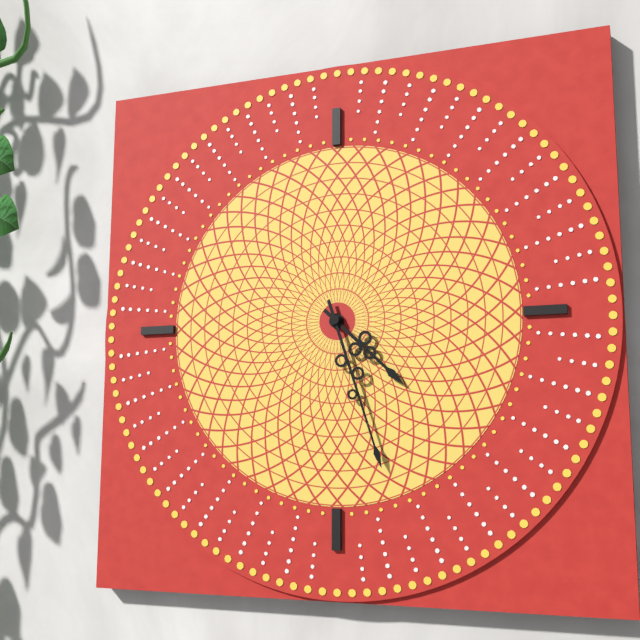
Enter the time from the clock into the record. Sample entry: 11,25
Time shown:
4,27
